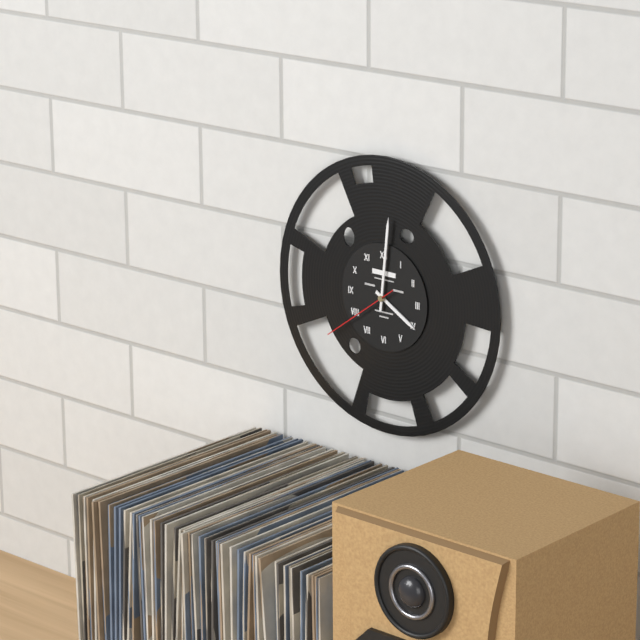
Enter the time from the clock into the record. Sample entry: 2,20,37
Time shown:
4,01,39
